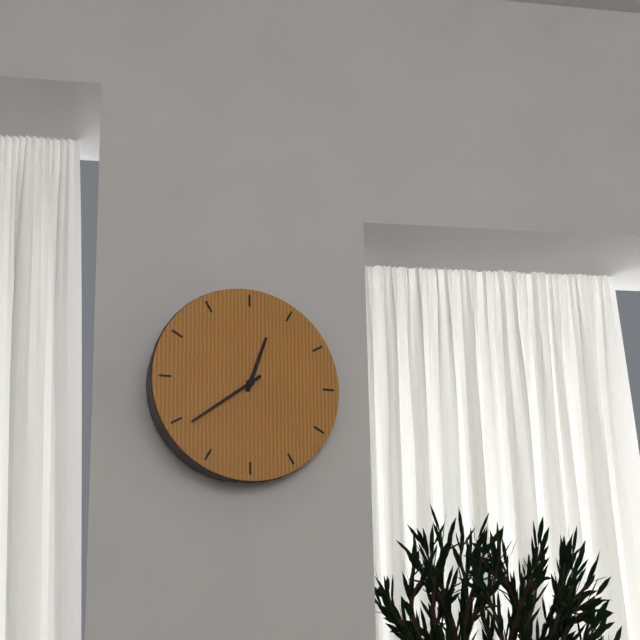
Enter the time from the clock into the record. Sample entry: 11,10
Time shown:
12,39
